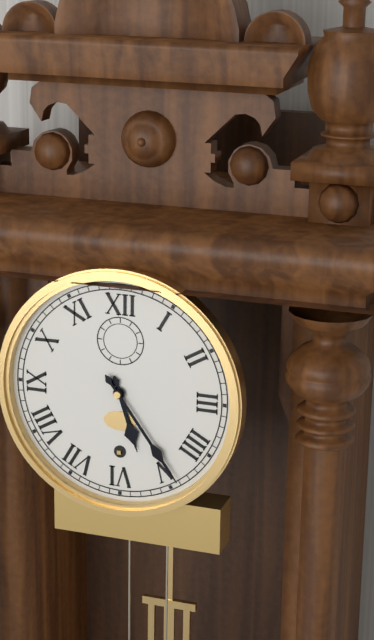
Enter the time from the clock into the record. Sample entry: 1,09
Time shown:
5,24
